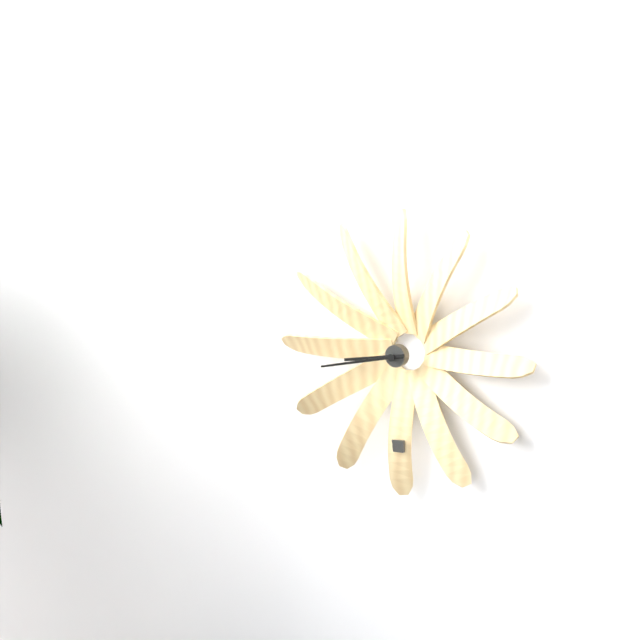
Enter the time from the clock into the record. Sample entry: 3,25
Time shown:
8,43
